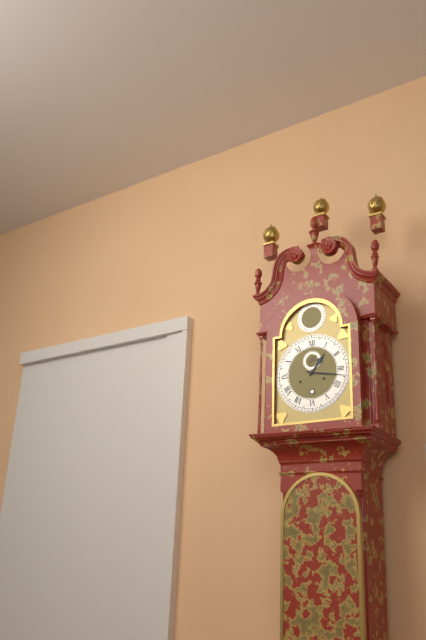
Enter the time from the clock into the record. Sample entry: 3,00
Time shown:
1,17
